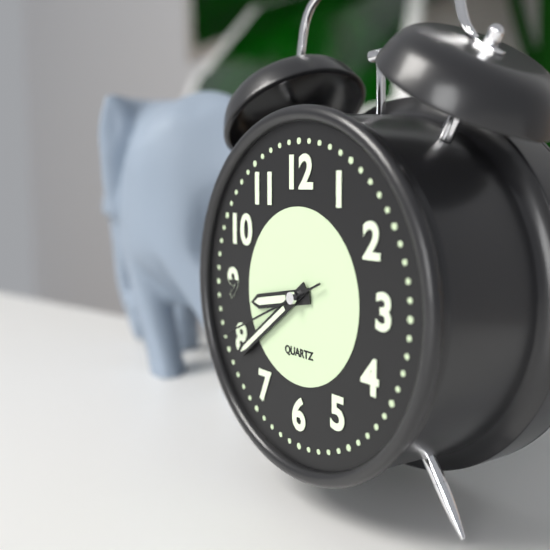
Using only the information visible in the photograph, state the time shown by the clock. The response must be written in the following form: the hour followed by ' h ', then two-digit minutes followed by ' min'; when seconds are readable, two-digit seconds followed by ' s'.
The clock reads 8 h 39 min 41 s
